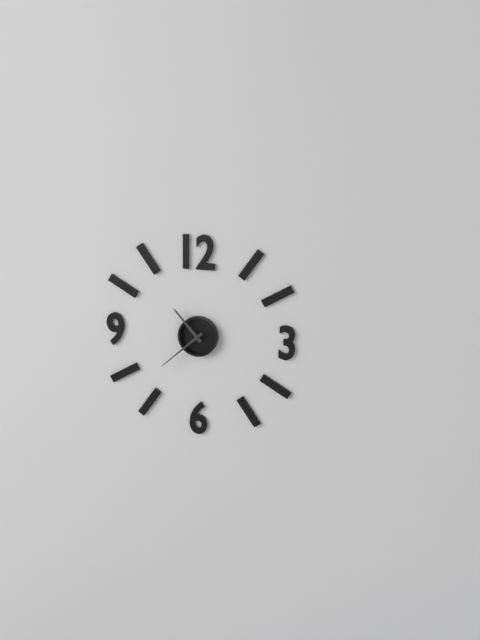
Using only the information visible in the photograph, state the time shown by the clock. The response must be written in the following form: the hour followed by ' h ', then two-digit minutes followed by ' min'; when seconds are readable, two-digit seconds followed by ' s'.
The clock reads 10 h 38 min
